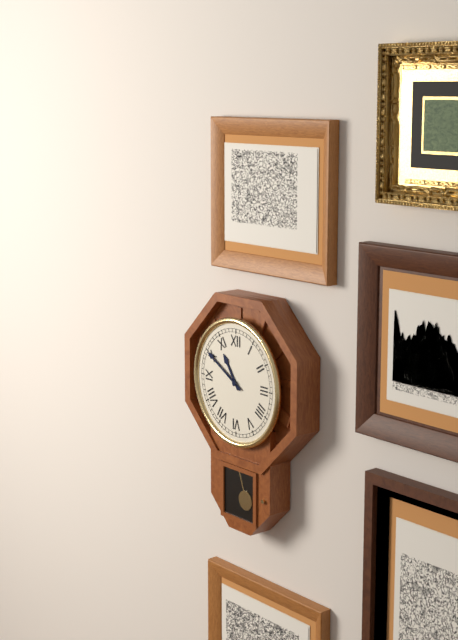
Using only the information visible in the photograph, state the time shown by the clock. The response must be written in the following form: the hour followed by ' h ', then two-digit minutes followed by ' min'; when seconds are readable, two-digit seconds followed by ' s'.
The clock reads 10 h 50 min
